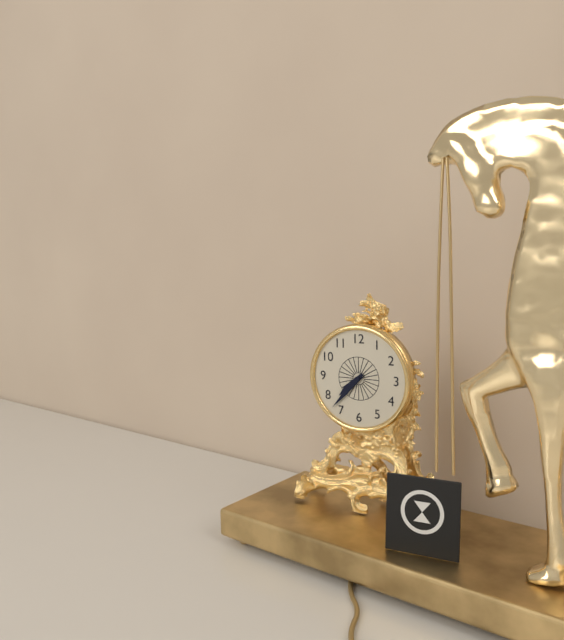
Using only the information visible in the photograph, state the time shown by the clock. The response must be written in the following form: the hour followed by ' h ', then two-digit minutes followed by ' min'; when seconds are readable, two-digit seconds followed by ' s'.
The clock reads 7 h 37 min
